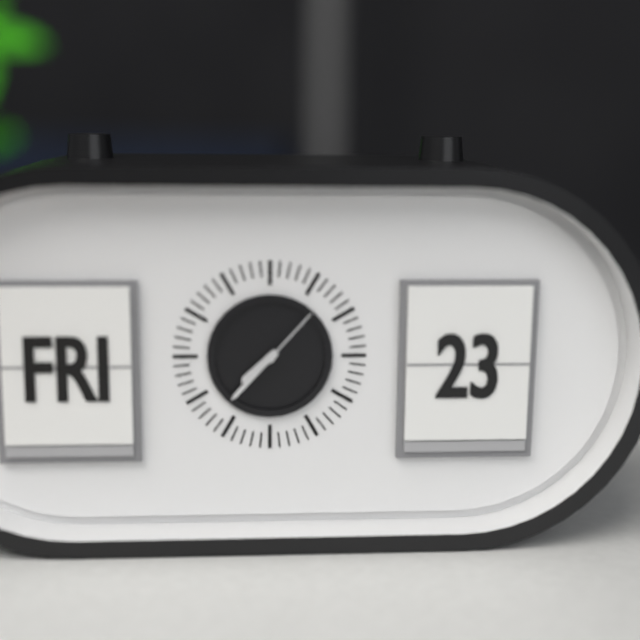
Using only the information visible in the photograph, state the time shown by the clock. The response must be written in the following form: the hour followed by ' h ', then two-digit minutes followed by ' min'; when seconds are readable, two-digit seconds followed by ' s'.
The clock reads 7 h 37 min 07 s
